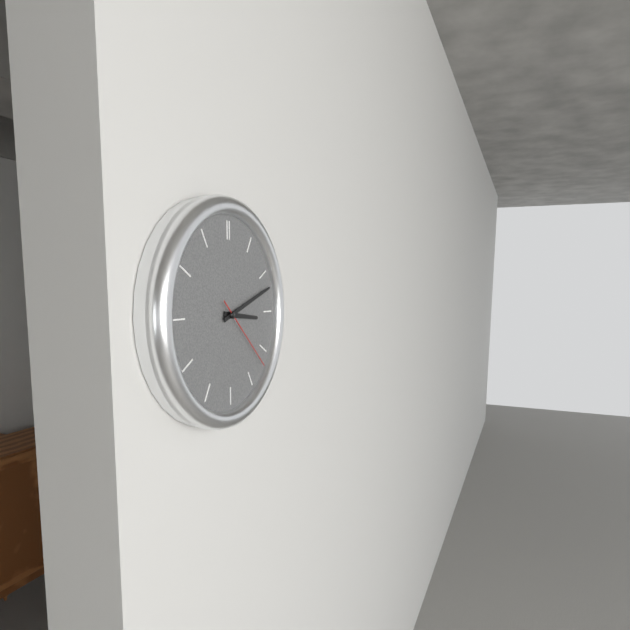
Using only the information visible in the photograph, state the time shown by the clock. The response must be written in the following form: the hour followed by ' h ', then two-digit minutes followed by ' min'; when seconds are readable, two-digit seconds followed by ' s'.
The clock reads 3 h 12 min 22 s
